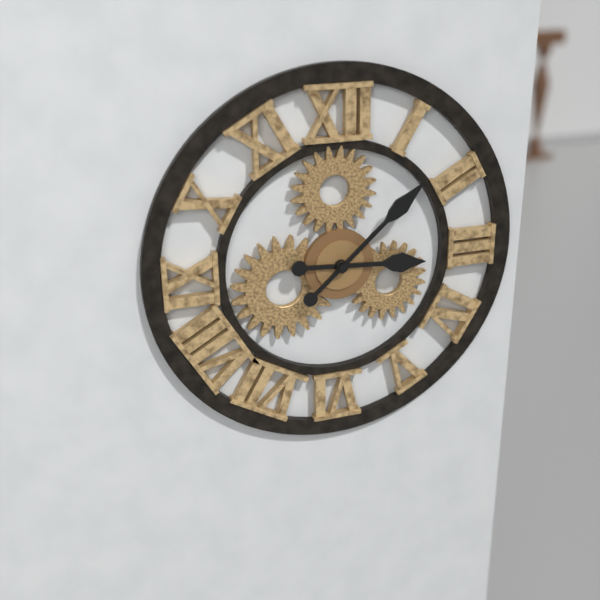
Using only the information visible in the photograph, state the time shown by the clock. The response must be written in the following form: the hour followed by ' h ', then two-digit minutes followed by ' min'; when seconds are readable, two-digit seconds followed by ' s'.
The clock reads 3 h 08 min
